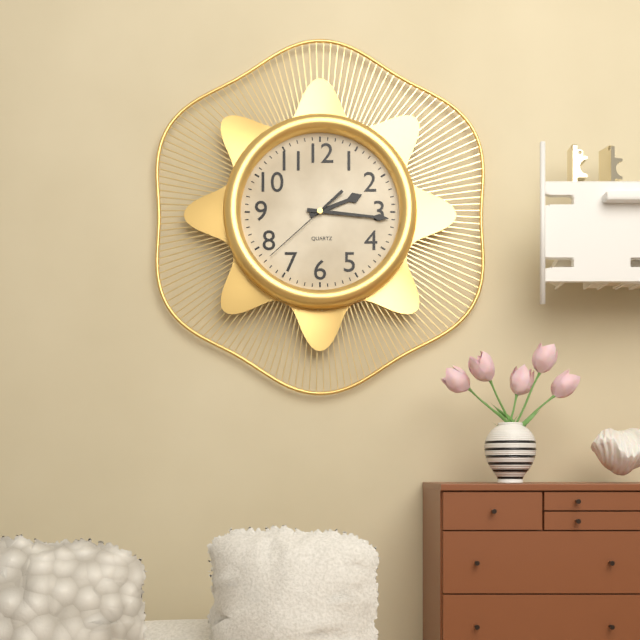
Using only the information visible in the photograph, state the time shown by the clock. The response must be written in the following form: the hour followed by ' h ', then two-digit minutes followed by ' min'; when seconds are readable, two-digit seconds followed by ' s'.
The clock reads 2 h 16 min 38 s
